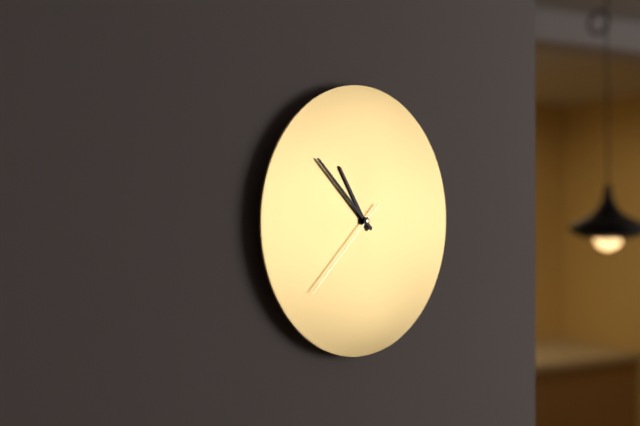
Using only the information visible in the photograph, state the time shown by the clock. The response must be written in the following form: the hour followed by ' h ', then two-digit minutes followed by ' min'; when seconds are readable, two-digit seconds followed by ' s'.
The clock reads 10 h 52 min 38 s
